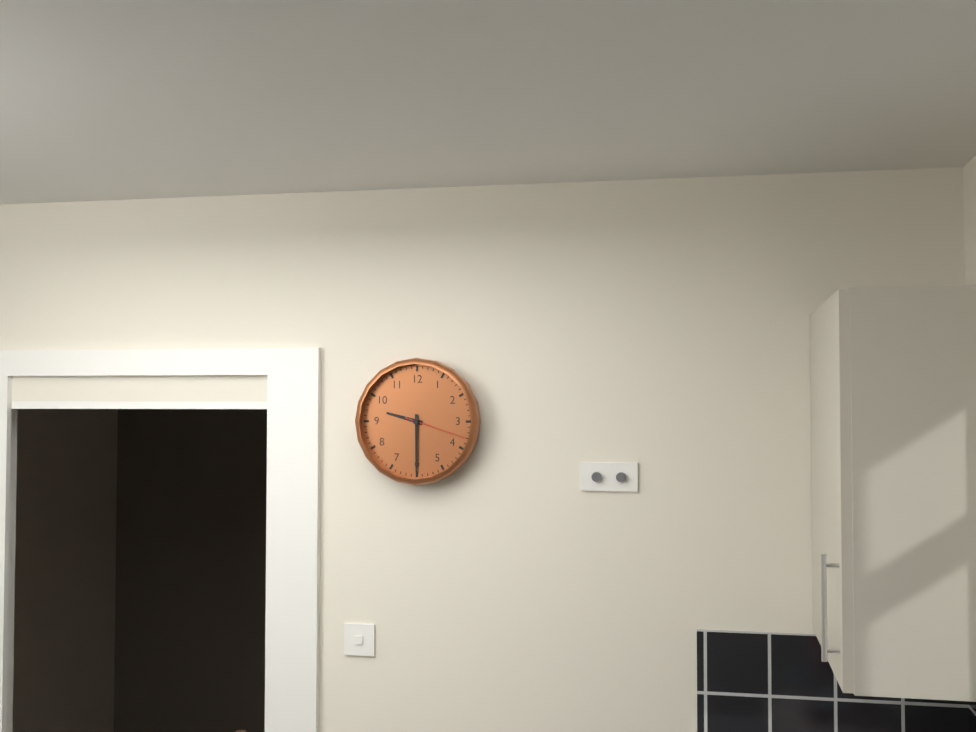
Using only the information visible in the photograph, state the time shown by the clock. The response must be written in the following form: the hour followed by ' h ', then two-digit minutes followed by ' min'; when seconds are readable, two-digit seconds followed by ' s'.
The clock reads 9 h 30 min 18 s
